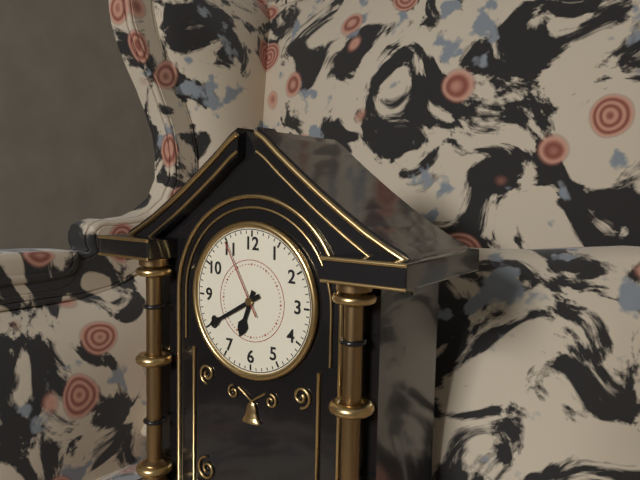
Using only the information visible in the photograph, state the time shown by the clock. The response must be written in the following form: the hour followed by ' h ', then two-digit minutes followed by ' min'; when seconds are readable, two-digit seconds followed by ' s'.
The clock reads 6 h 40 min 55 s
